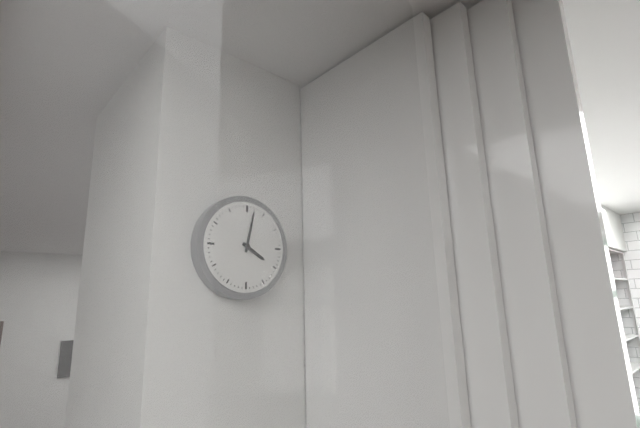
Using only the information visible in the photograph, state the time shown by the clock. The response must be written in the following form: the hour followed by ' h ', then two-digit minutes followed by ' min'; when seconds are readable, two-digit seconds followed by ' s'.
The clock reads 4 h 02 min
